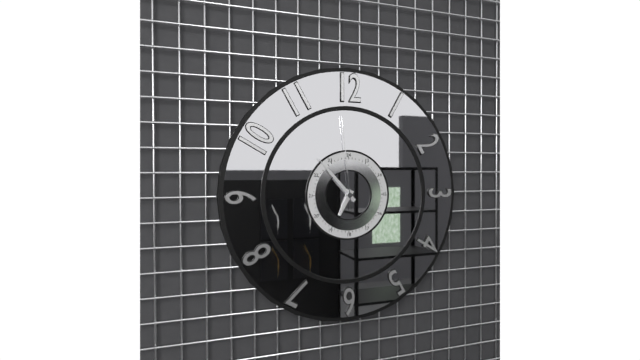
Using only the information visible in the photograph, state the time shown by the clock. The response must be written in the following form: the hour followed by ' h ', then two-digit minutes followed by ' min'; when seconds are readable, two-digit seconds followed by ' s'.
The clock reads 6 h 53 min 59 s
